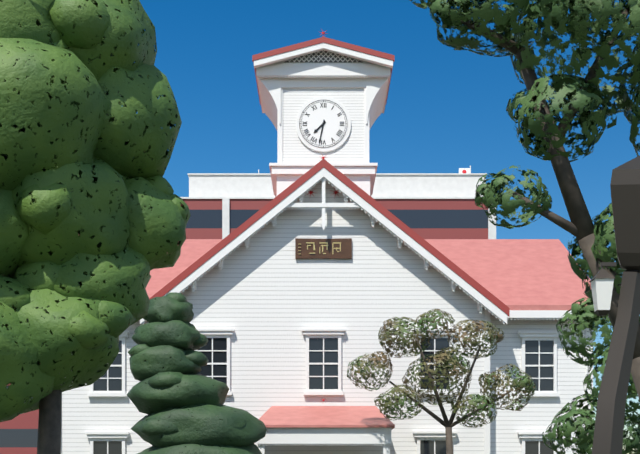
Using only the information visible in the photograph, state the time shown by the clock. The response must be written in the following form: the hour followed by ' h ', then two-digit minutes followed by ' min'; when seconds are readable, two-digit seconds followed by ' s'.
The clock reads 7 h 32 min
